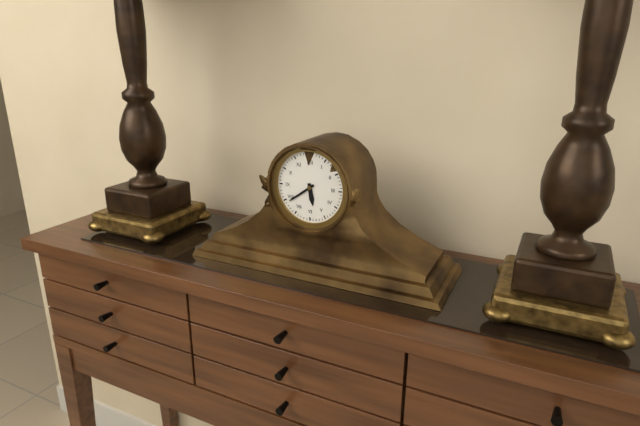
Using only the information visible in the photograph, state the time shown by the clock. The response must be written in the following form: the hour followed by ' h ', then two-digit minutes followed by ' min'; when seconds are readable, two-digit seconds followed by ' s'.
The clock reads 5 h 39 min
